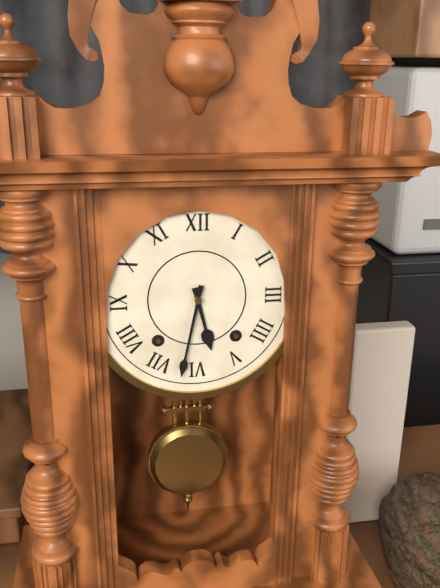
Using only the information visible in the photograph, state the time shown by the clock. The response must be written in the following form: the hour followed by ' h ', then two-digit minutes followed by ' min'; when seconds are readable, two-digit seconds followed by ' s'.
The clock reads 5 h 32 min
